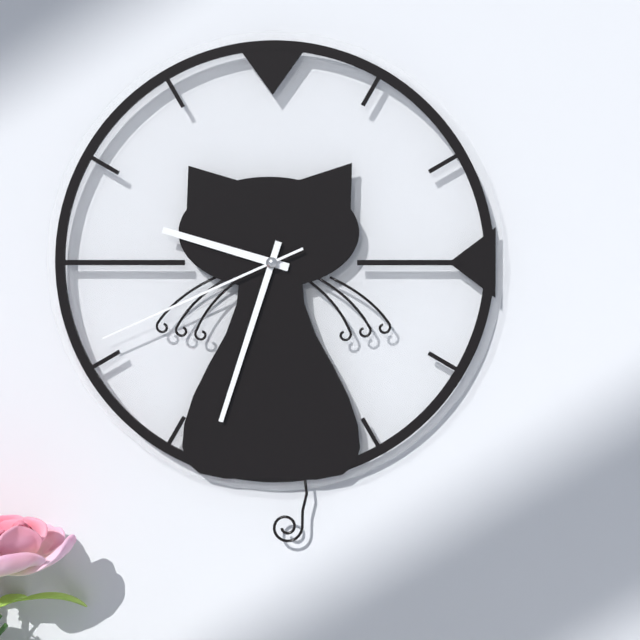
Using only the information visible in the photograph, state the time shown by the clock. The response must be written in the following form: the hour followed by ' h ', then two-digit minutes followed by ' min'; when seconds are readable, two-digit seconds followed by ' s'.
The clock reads 9 h 33 min 41 s
